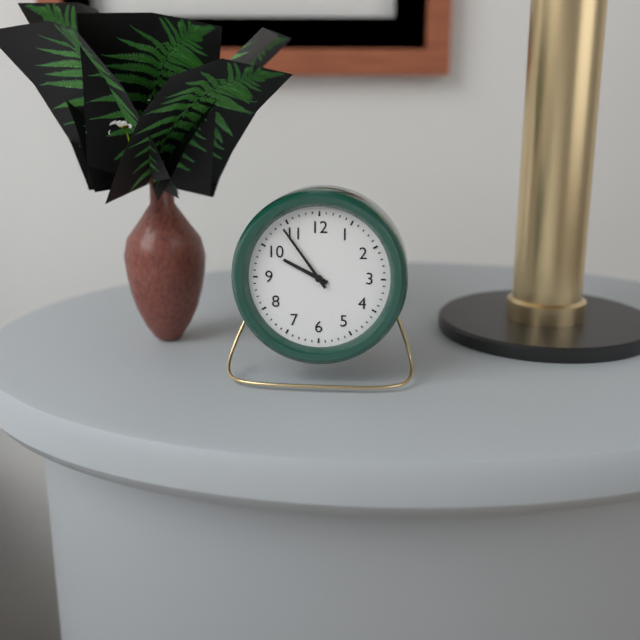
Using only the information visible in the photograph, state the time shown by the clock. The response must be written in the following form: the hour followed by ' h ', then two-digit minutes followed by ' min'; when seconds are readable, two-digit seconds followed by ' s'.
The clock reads 9 h 54 min
